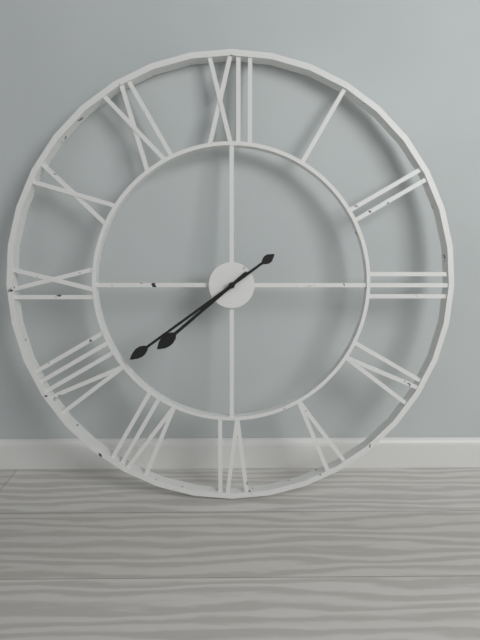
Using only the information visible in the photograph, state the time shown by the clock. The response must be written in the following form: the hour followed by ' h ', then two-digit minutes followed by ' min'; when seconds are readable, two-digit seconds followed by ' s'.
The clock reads 7 h 39 min
